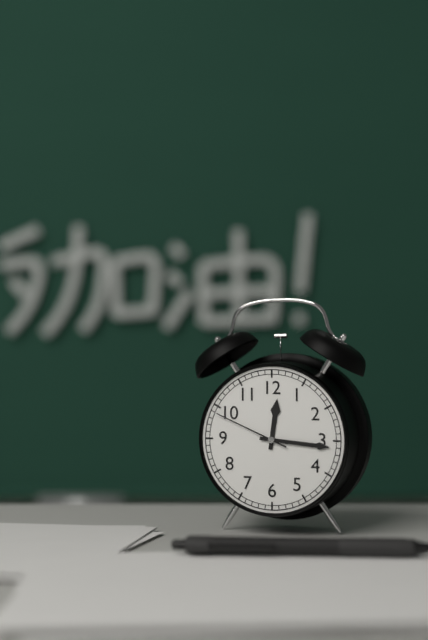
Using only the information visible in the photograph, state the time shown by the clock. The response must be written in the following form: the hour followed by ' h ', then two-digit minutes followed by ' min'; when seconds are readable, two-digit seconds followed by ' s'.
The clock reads 12 h 16 min 49 s
